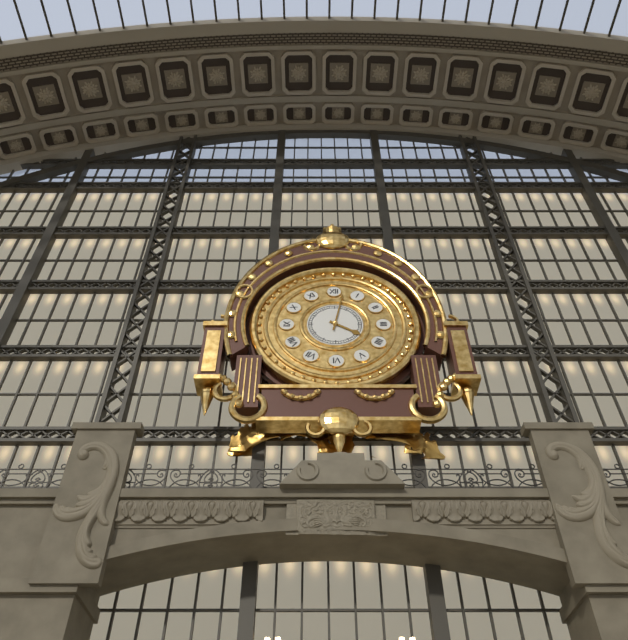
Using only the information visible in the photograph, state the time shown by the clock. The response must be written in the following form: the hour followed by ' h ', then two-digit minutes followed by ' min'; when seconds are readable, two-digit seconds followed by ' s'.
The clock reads 4 h 02 min
